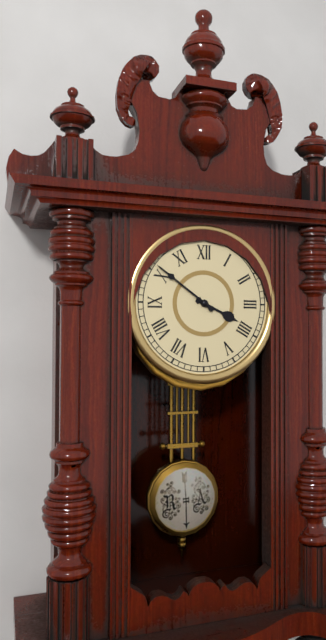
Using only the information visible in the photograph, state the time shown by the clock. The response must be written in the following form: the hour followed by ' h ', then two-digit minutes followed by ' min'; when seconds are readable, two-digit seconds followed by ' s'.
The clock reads 3 h 51 min
